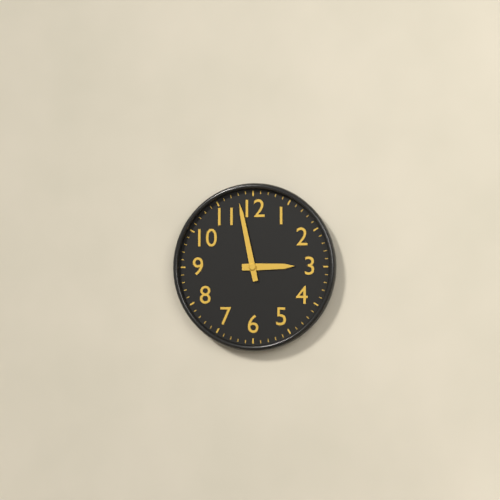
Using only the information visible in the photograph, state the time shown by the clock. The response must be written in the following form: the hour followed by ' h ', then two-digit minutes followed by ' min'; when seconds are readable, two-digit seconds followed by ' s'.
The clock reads 2 h 58 min
